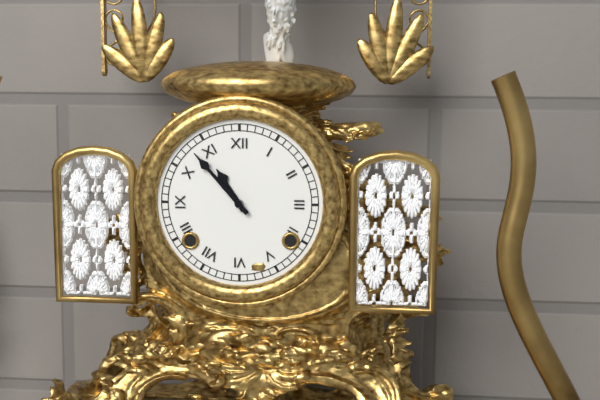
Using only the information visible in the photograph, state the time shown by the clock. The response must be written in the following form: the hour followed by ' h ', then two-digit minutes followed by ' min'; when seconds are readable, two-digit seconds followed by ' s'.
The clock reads 10 h 53 min
